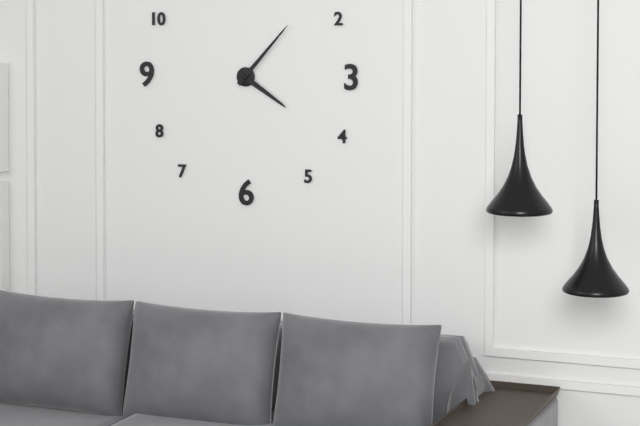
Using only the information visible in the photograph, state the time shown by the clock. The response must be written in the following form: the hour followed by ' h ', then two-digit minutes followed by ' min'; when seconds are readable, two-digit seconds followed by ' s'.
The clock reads 4 h 07 min
